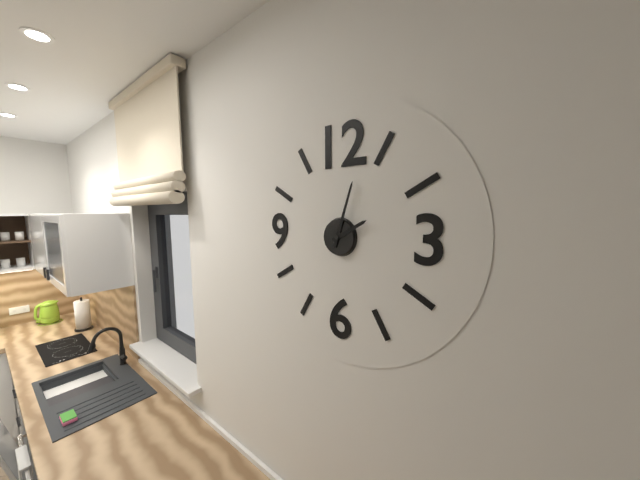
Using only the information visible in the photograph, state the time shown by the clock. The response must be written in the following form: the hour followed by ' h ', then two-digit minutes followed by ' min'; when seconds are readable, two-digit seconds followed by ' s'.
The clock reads 2 h 03 min
